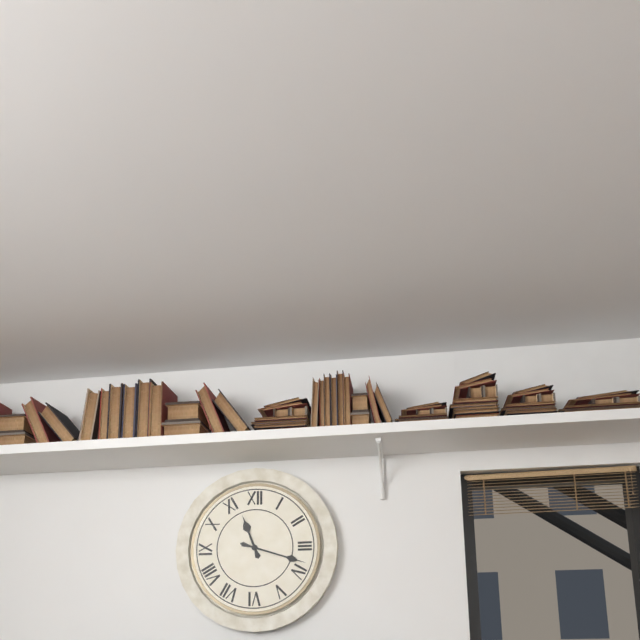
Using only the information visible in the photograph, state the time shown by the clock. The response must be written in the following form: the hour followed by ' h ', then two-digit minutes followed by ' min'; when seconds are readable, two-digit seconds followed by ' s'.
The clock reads 11 h 18 min
